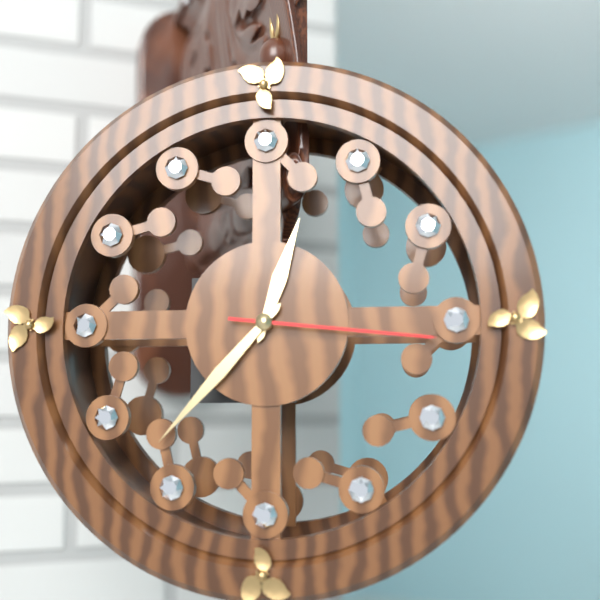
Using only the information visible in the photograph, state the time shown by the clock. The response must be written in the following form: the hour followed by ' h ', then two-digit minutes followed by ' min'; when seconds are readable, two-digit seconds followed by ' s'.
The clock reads 12 h 37 min 16 s
